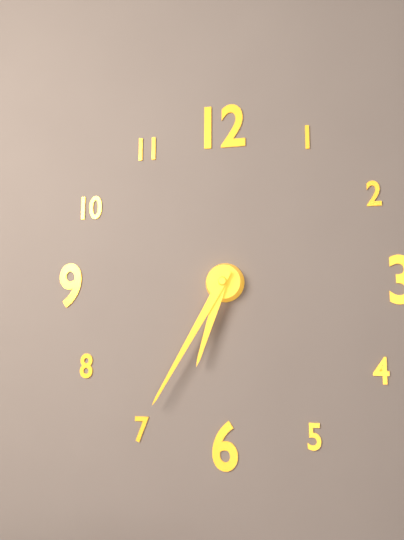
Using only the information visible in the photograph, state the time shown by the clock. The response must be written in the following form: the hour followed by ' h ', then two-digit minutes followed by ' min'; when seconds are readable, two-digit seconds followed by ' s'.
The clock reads 6 h 35 min
